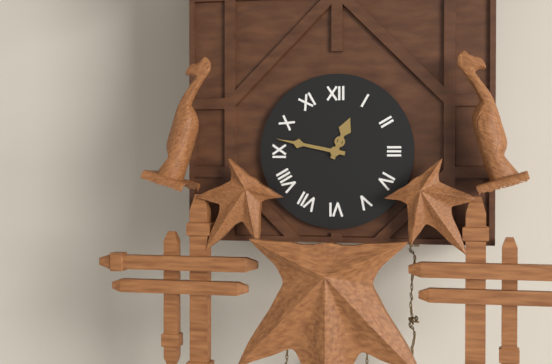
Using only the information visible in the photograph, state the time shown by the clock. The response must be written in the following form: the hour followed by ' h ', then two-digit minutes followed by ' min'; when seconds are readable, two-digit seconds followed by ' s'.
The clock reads 12 h 47 min
